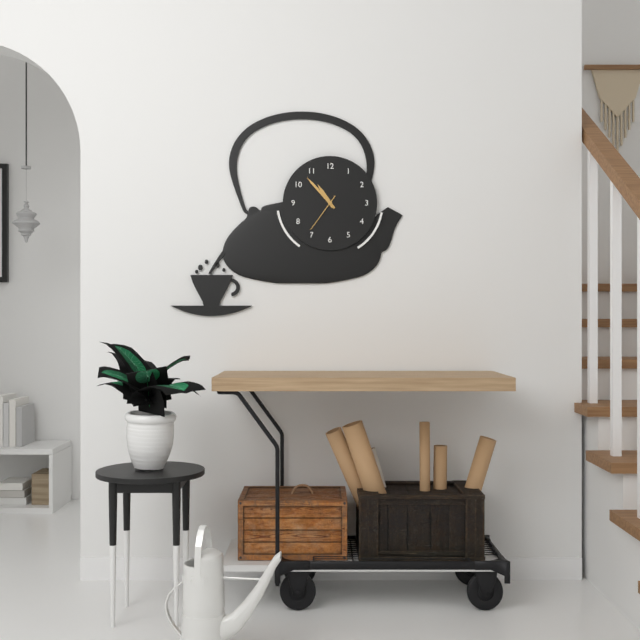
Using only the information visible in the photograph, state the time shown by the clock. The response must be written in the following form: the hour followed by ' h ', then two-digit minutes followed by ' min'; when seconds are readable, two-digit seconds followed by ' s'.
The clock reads 10 h 53 min
